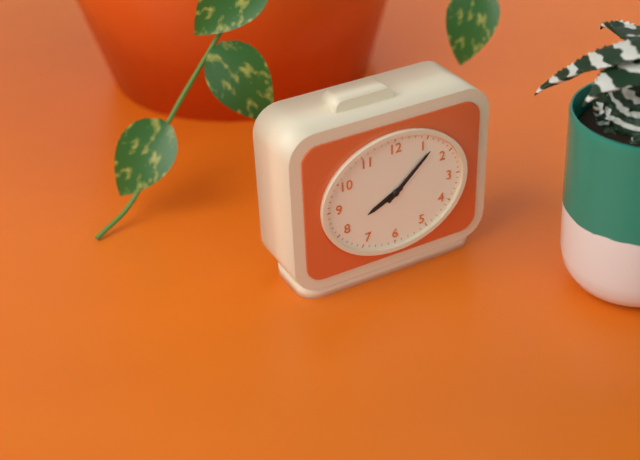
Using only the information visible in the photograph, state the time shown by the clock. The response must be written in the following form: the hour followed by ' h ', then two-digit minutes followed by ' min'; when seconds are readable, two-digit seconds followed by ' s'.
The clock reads 8 h 08 min
